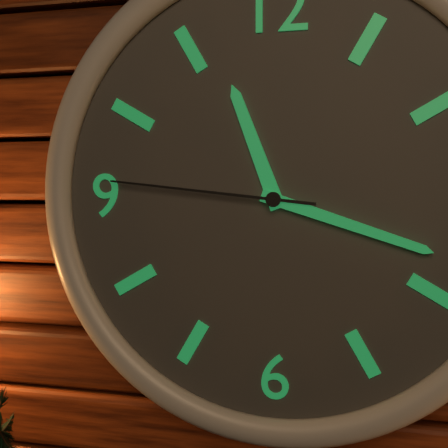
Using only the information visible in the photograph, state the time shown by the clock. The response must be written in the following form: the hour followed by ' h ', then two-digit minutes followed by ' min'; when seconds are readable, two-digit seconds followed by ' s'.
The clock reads 11 h 18 min 46 s
